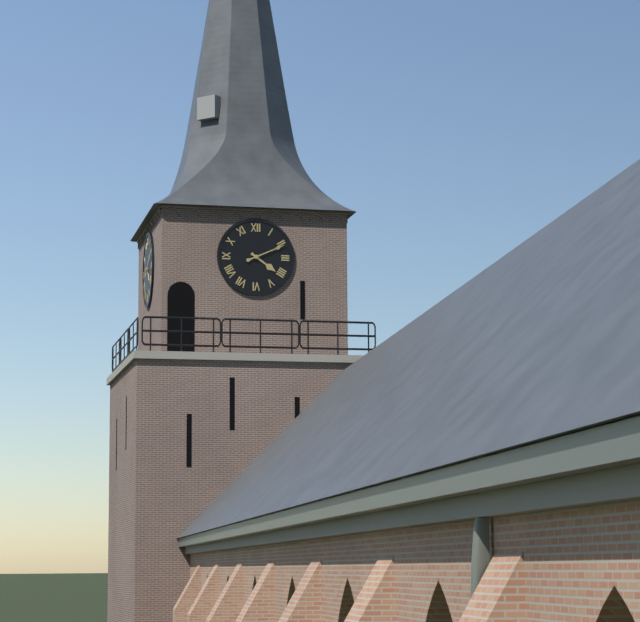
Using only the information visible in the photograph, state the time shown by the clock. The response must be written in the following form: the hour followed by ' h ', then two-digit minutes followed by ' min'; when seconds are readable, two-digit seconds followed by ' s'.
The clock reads 4 h 11 min
